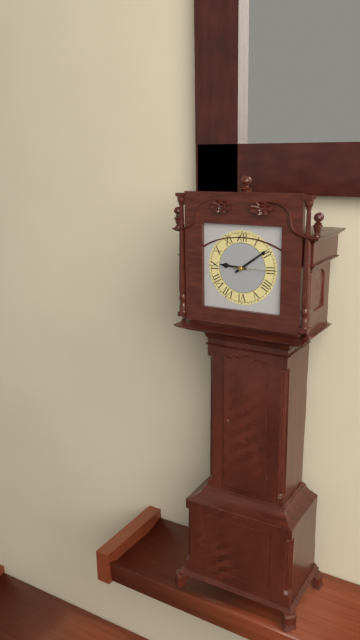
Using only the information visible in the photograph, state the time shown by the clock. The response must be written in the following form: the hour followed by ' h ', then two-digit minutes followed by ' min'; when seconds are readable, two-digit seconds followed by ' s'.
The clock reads 9 h 09 min
